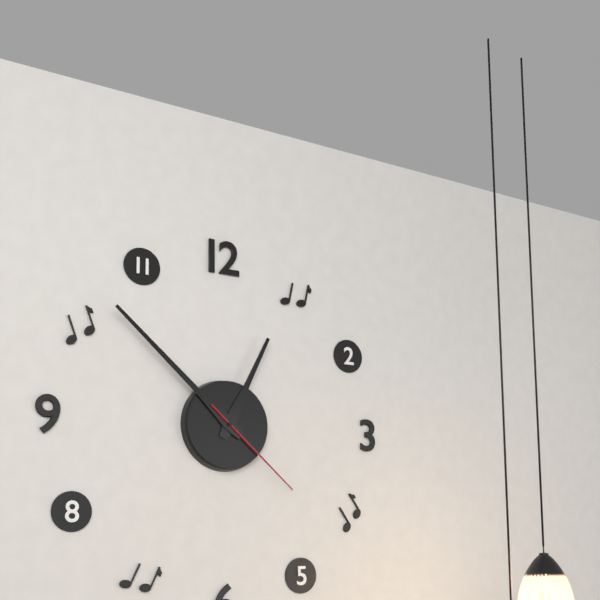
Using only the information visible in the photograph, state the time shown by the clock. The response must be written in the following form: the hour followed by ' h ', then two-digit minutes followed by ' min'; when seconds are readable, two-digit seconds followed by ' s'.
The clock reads 12 h 52 min 22 s
